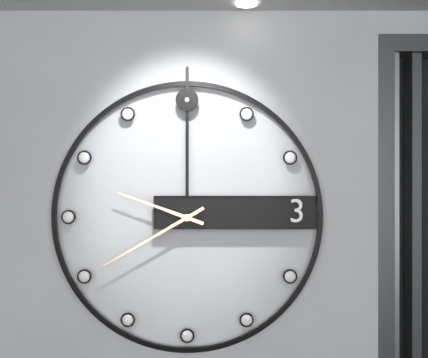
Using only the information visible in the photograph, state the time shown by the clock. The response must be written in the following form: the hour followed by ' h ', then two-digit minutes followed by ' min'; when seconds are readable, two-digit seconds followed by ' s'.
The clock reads 9 h 40 min
